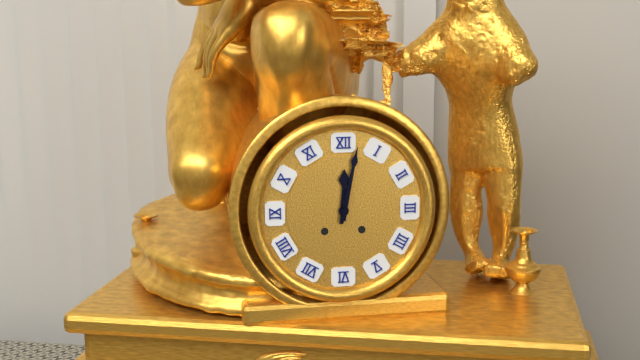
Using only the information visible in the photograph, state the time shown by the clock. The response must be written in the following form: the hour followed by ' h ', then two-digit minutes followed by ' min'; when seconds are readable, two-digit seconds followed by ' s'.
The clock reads 12 h 02 min
